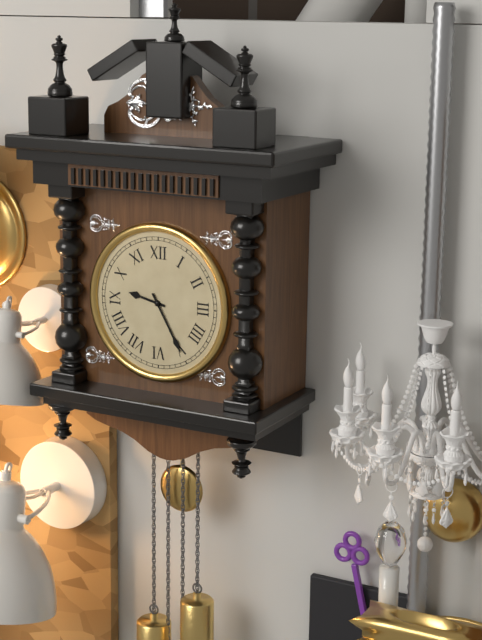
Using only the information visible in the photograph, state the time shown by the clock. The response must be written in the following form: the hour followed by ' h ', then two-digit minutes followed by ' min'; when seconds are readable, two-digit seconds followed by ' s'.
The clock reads 9 h 25 min
